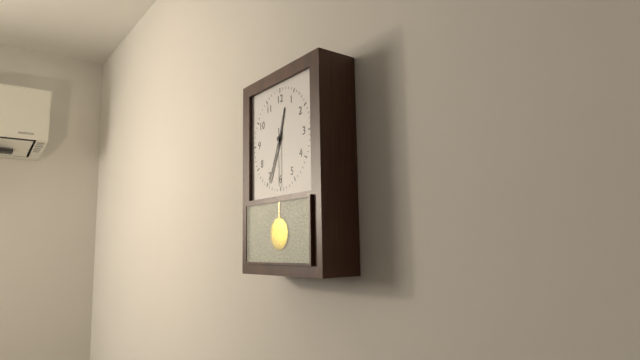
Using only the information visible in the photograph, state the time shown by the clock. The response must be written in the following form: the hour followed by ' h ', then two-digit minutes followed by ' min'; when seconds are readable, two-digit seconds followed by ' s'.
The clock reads 12 h 34 min 30 s
